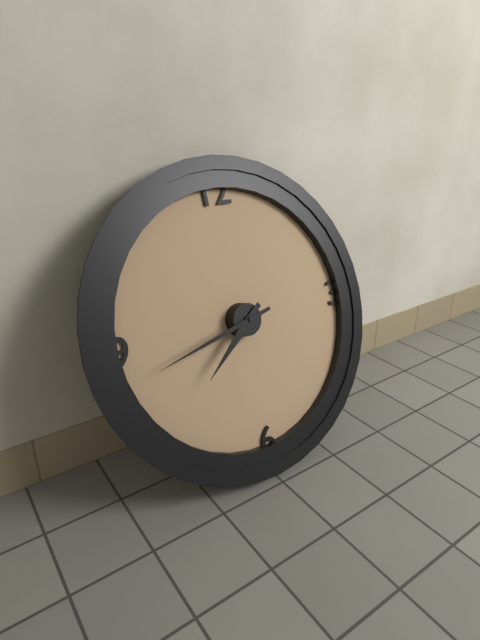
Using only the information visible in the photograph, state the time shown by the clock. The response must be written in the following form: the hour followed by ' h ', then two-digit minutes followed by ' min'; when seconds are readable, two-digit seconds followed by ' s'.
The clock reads 7 h 43 min
